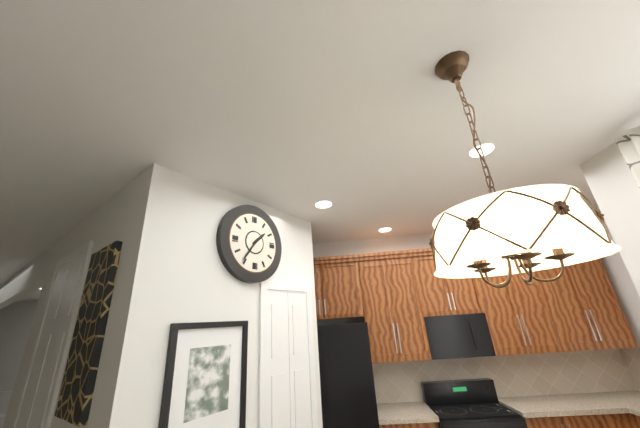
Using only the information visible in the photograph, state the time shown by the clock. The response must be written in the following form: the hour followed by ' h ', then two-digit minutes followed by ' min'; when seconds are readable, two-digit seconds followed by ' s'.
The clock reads 1 h 36 min
